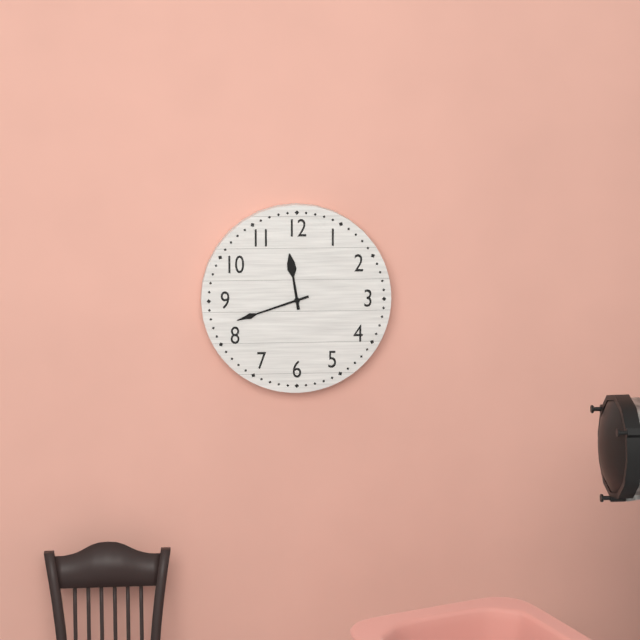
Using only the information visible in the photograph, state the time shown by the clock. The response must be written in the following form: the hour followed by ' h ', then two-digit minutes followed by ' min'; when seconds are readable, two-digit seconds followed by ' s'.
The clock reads 11 h 42 min
